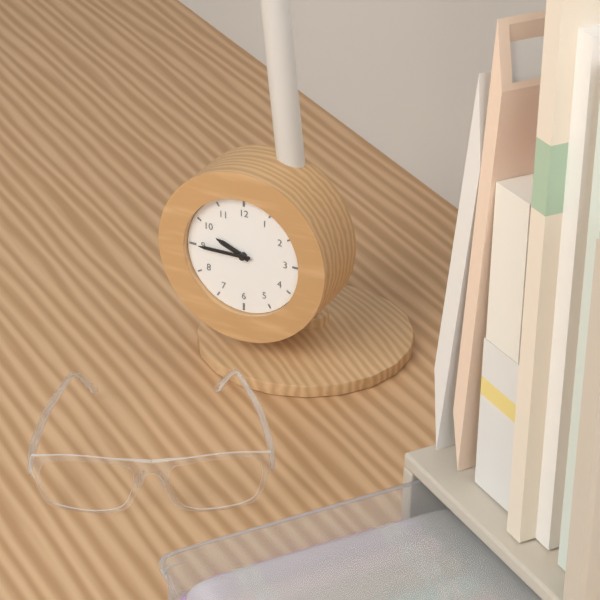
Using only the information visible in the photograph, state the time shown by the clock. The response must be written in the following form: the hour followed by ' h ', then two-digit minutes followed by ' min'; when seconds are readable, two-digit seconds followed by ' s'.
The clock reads 9 h 45 min
